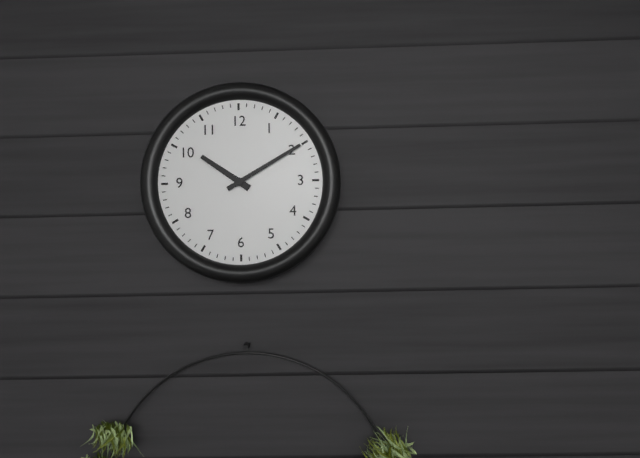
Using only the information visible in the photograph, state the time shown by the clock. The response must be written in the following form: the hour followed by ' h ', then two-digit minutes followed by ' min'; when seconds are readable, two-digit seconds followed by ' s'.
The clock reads 10 h 10 min
